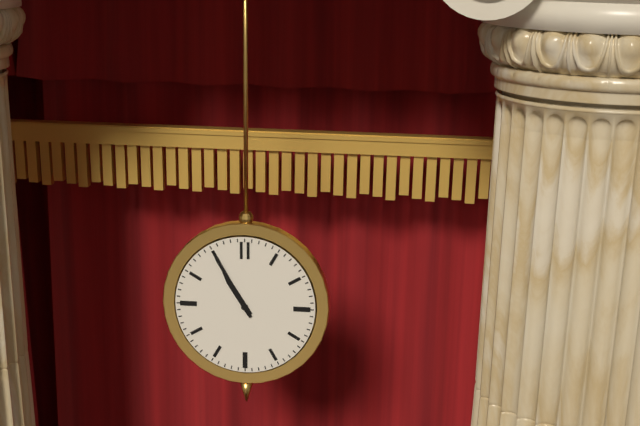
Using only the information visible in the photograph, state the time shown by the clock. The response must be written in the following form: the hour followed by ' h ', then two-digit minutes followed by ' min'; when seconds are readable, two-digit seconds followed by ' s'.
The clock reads 10 h 55 min
